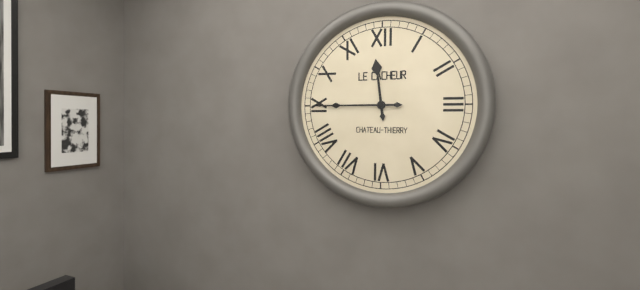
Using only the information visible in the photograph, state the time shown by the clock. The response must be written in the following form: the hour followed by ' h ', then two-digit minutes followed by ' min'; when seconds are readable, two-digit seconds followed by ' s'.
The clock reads 11 h 45 min
